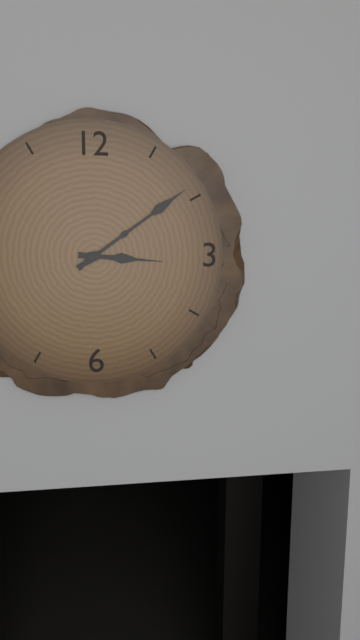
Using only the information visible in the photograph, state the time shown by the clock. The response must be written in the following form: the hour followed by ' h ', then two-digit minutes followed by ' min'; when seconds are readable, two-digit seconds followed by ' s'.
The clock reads 3 h 09 min
